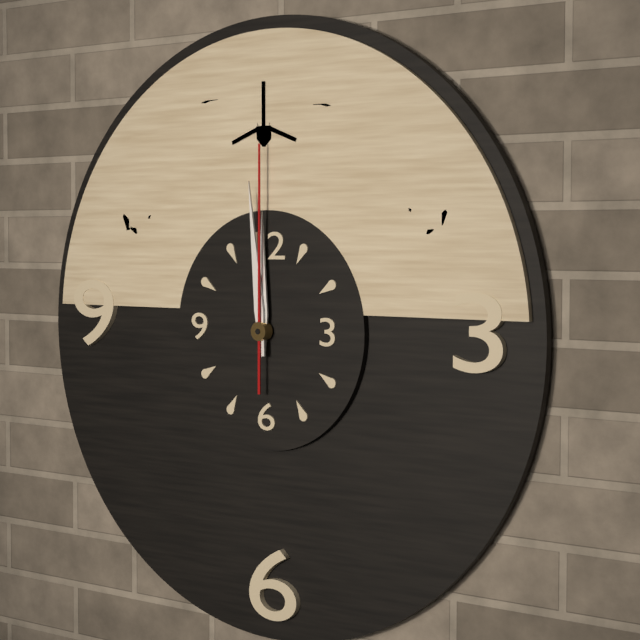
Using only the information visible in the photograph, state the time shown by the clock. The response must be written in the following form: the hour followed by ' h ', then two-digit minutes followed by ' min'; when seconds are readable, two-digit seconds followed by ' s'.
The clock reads 11 h 59 min 00 s
